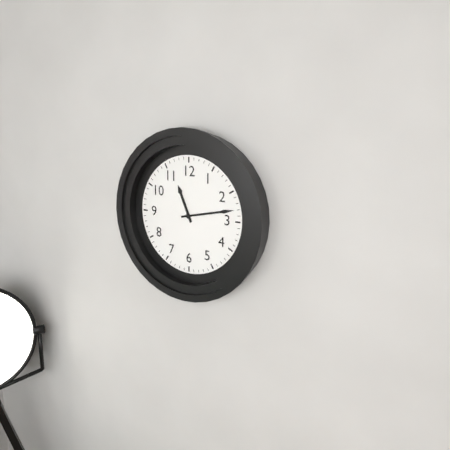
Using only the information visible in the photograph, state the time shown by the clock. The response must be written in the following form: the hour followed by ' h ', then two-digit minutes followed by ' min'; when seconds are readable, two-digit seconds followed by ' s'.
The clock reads 11 h 13 min
